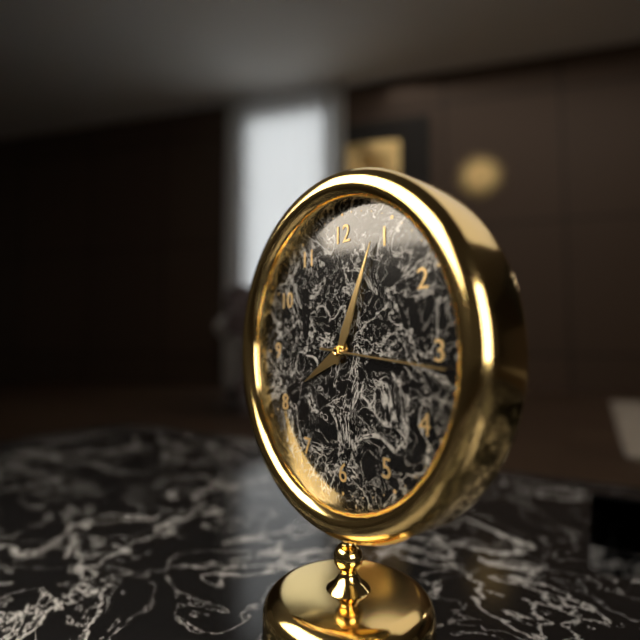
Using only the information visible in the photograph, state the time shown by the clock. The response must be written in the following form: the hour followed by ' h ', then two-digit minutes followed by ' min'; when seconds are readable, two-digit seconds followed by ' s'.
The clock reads 8 h 04 min 16 s
